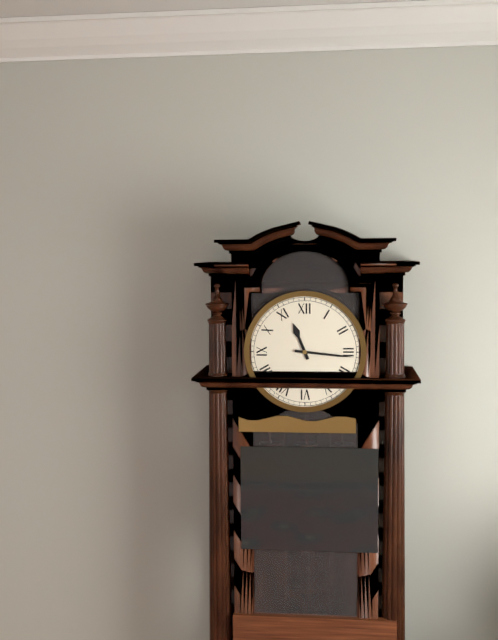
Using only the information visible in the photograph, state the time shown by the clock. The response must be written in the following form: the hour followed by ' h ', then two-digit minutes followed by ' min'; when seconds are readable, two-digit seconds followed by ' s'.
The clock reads 11 h 16 min
